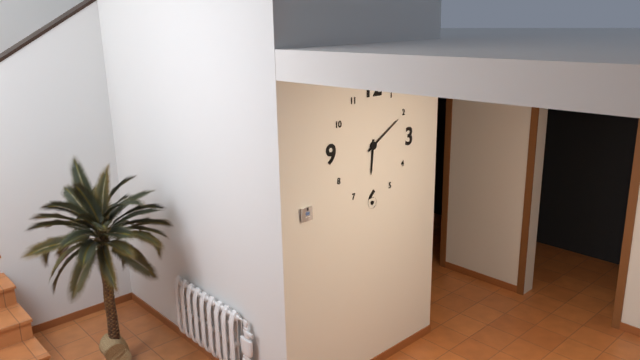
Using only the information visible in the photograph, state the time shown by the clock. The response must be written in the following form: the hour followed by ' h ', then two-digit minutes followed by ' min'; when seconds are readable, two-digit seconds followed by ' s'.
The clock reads 6 h 10 min
